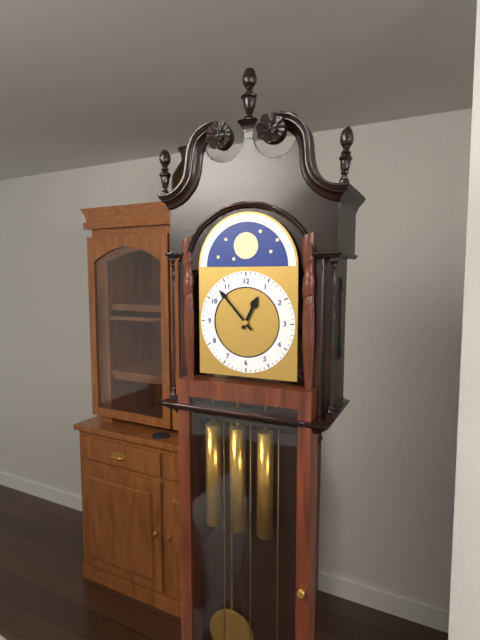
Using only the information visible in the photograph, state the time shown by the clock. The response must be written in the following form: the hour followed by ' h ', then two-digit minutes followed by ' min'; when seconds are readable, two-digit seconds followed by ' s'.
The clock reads 12 h 53 min
